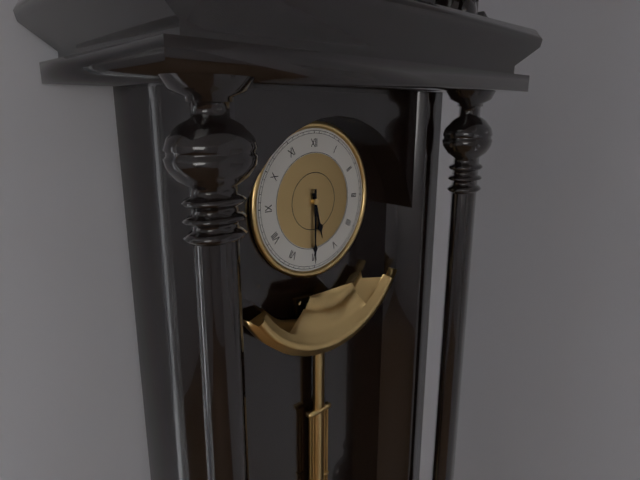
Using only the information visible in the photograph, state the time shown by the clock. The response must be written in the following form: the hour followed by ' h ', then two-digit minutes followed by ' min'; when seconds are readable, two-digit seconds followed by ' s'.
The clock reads 5 h 30 min
